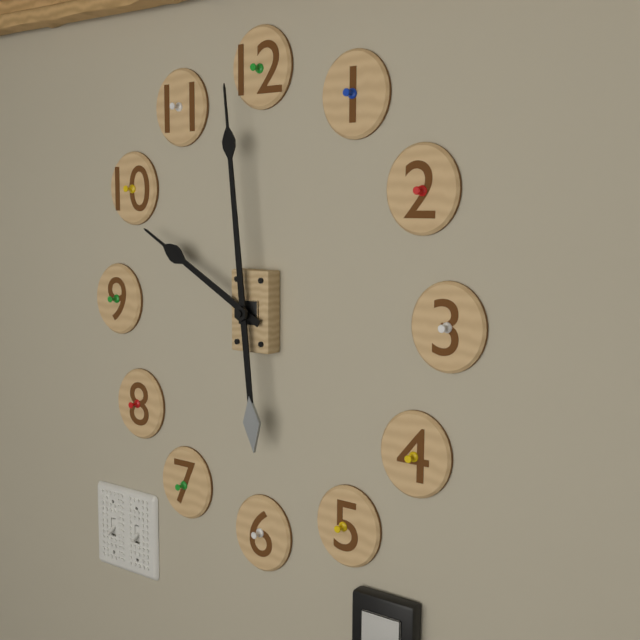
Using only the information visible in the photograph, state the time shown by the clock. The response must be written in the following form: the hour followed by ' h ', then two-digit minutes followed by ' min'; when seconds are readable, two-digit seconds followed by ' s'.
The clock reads 9 h 59 min
